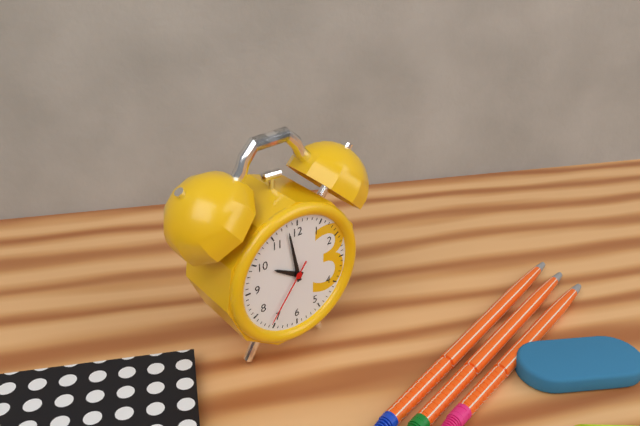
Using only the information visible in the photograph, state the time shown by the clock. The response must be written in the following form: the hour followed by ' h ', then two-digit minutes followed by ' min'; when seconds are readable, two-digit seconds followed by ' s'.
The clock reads 9 h 58 min 36 s
